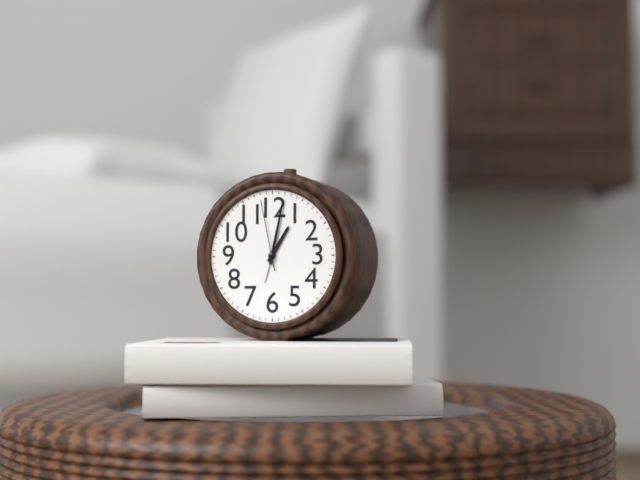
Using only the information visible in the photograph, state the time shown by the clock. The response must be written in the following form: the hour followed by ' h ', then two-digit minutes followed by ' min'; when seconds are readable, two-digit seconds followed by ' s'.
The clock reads 1 h 02 min 58 s
